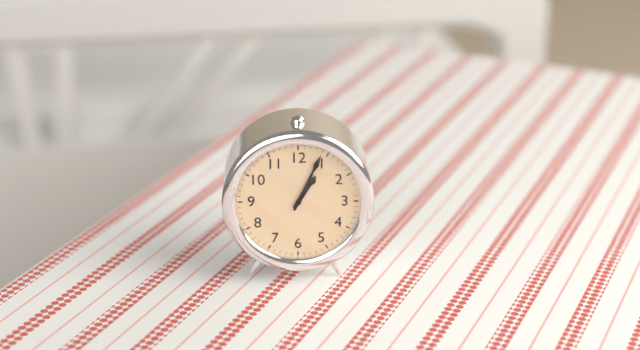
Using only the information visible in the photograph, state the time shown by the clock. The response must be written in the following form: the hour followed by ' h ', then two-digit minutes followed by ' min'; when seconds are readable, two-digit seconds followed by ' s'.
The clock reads 1 h 04 min
